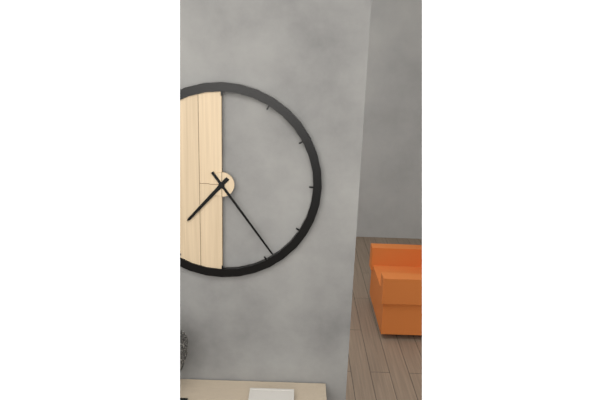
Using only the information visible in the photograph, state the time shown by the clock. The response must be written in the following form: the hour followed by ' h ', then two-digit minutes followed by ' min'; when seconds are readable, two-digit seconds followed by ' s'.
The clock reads 7 h 24 min
